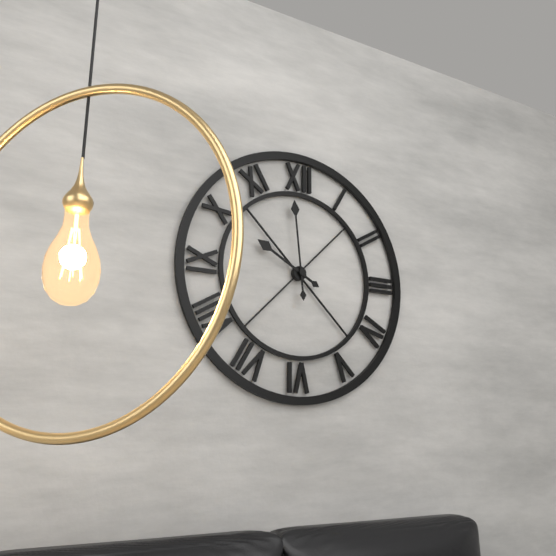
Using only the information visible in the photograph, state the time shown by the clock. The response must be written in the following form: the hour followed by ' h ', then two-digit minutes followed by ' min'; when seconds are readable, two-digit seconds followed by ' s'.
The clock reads 9 h 59 min
